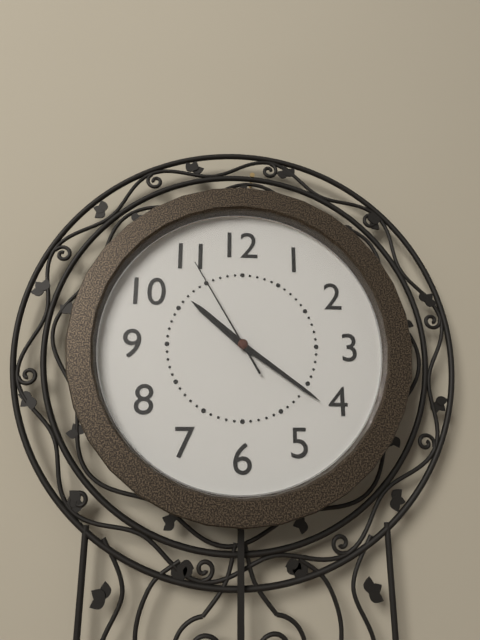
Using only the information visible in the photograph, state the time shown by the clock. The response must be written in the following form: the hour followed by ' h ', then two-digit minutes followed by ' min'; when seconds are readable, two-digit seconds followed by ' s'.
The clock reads 10 h 21 min 55 s
